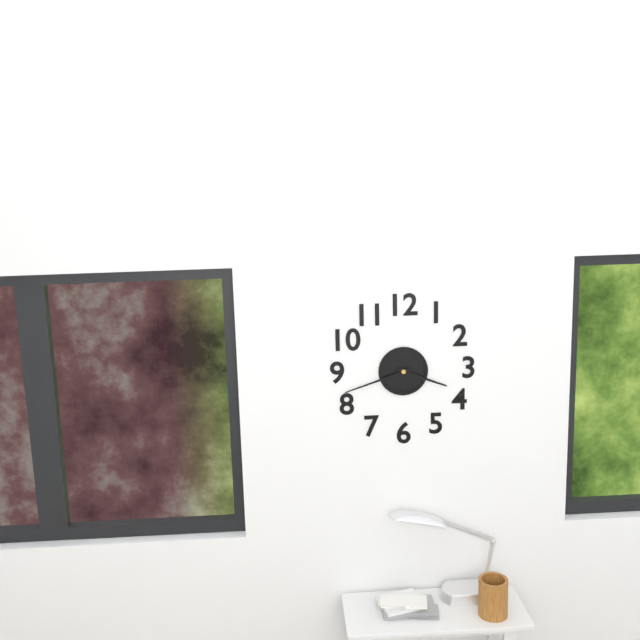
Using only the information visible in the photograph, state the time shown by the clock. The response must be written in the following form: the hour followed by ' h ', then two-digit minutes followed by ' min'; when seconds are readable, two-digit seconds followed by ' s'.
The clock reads 3 h 42 min
